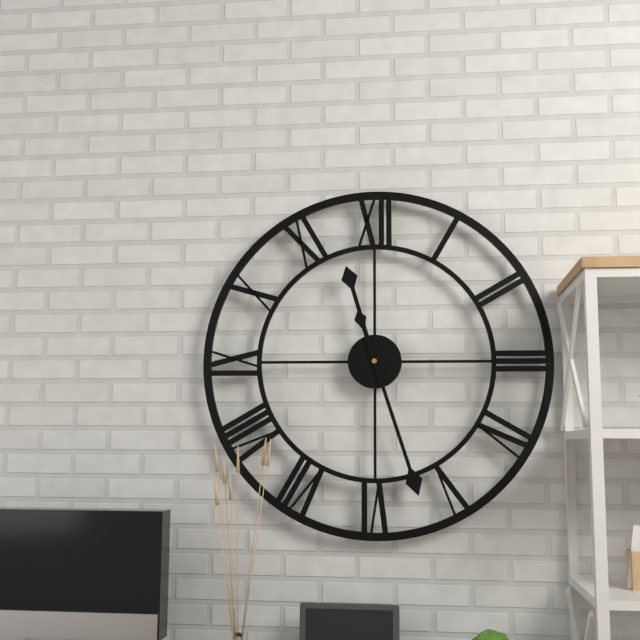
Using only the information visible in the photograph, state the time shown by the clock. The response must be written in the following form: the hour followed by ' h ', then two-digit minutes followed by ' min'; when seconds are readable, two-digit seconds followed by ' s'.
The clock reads 11 h 27 min
